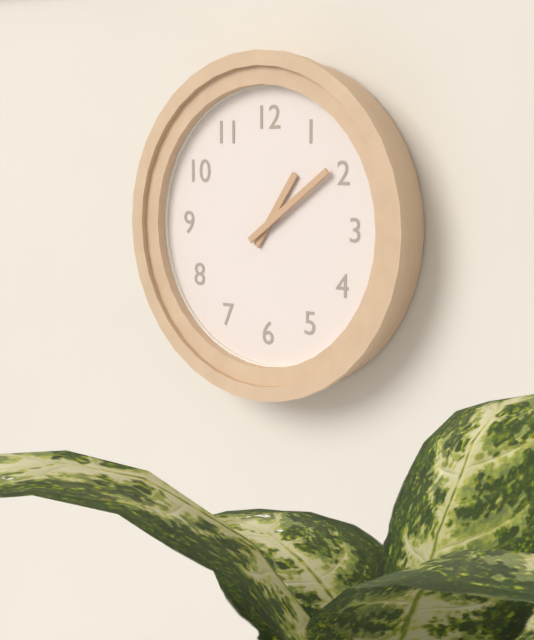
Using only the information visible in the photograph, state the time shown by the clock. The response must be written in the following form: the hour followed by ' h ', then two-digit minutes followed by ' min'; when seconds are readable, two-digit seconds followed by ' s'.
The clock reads 1 h 09 min
